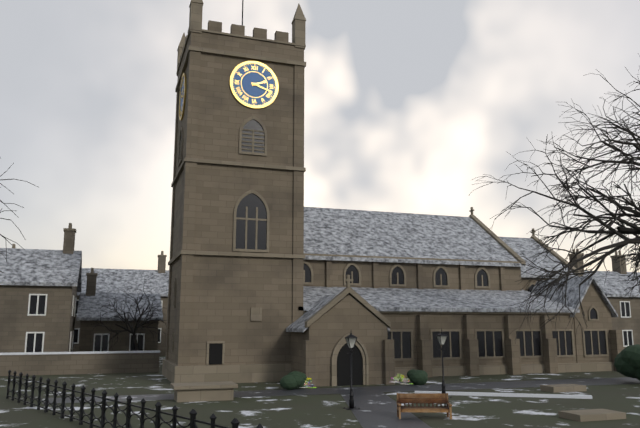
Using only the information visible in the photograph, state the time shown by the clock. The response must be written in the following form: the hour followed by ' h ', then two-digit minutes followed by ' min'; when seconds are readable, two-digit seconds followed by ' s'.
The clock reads 2 h 18 min
